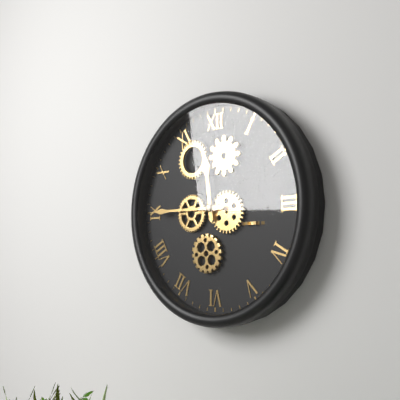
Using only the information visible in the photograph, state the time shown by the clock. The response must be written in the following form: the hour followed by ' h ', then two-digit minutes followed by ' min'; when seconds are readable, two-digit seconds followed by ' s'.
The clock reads 11 h 45 min
